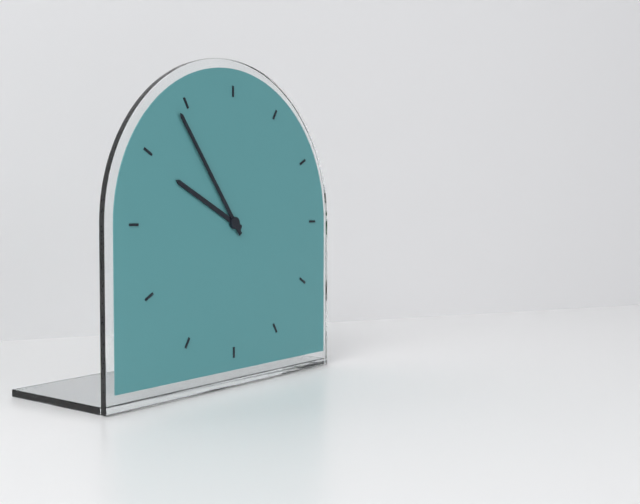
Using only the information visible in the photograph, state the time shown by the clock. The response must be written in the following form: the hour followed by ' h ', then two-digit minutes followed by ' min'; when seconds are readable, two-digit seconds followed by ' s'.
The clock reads 9 h 54 min
